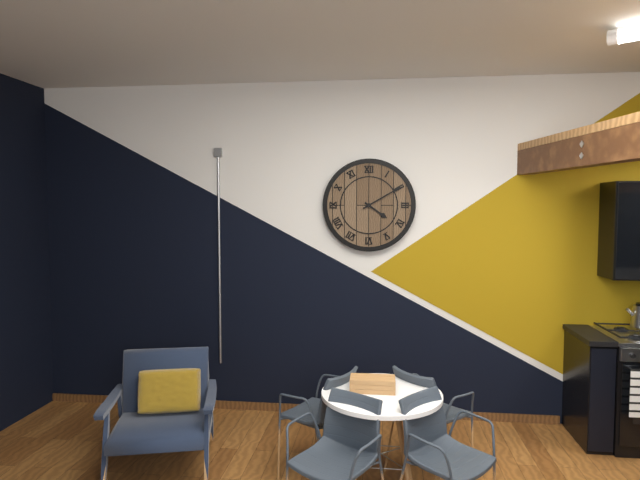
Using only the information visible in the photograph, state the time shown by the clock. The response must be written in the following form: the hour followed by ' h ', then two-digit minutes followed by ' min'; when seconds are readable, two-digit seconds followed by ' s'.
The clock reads 4 h 10 min
